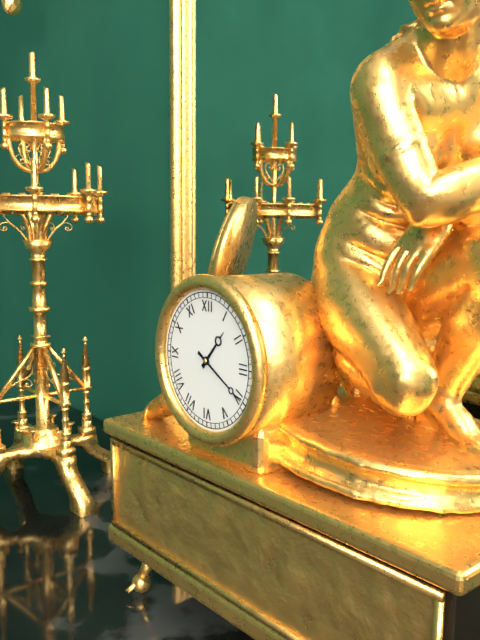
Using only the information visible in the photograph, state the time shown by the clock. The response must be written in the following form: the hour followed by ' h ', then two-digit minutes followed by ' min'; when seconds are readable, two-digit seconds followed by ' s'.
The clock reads 1 h 20 min
